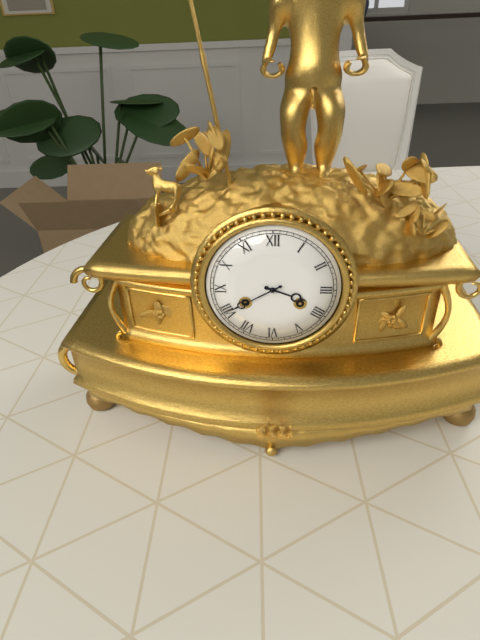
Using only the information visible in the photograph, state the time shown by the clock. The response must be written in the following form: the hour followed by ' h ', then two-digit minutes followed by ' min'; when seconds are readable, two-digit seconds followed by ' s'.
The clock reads 3 h 40 min
